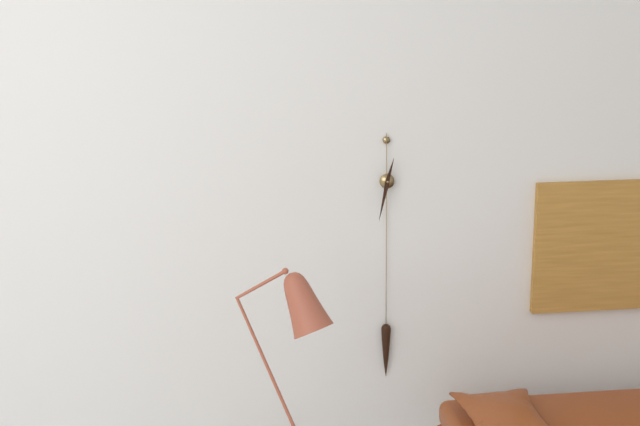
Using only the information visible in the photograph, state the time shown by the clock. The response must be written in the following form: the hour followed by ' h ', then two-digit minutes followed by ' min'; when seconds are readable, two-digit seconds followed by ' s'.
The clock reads 12 h 32 min
